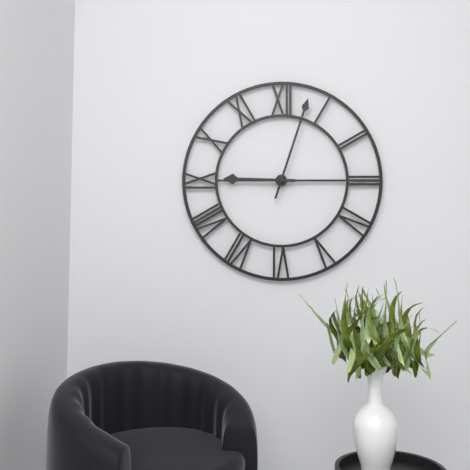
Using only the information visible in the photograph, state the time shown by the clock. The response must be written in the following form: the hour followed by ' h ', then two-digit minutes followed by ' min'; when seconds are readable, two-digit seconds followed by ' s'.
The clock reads 9 h 03 min
